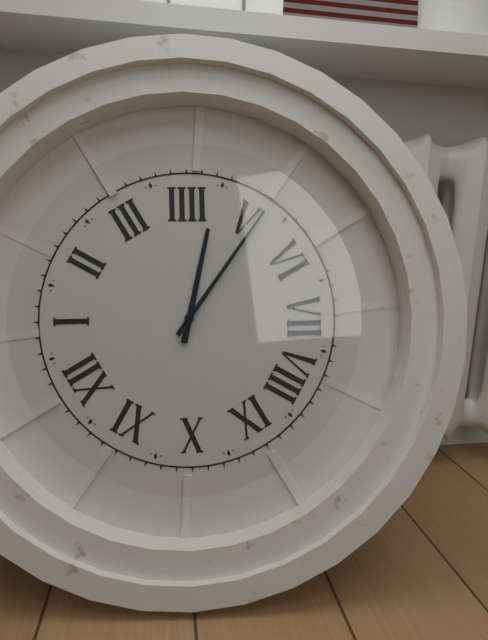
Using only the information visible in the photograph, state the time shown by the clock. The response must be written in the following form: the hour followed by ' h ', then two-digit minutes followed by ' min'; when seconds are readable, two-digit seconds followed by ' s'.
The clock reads 4 h 26 min
